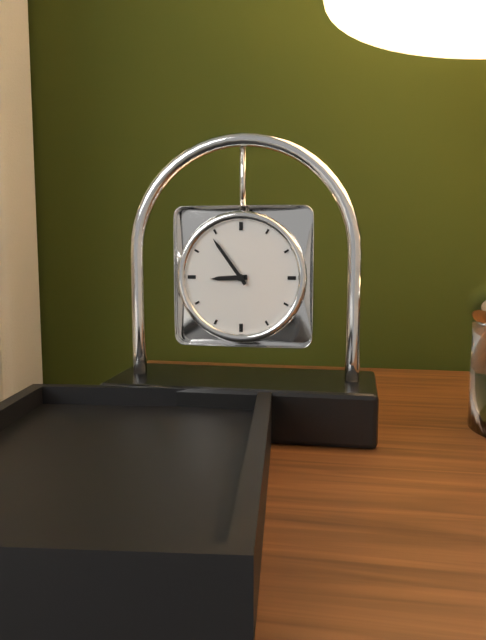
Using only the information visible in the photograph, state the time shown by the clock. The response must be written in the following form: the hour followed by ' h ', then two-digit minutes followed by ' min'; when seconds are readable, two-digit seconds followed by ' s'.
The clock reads 8 h 54 min
